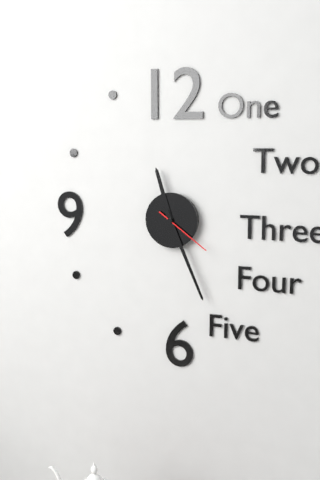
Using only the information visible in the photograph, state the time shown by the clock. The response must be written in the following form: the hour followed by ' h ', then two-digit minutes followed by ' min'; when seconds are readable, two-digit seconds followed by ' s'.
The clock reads 11 h 26 min 21 s
